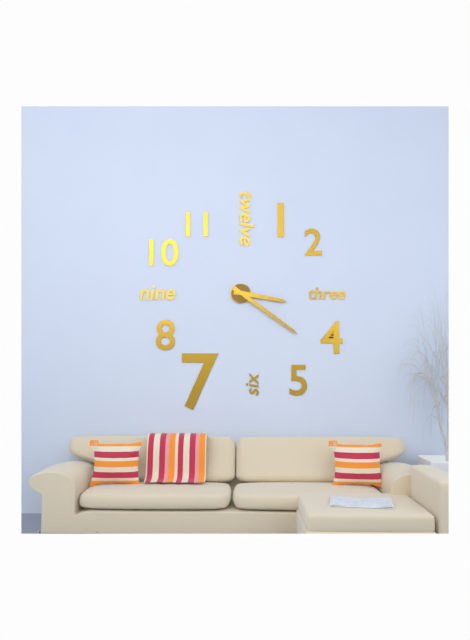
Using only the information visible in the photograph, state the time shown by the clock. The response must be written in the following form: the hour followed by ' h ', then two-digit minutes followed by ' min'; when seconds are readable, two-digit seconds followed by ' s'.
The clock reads 3 h 21 min
